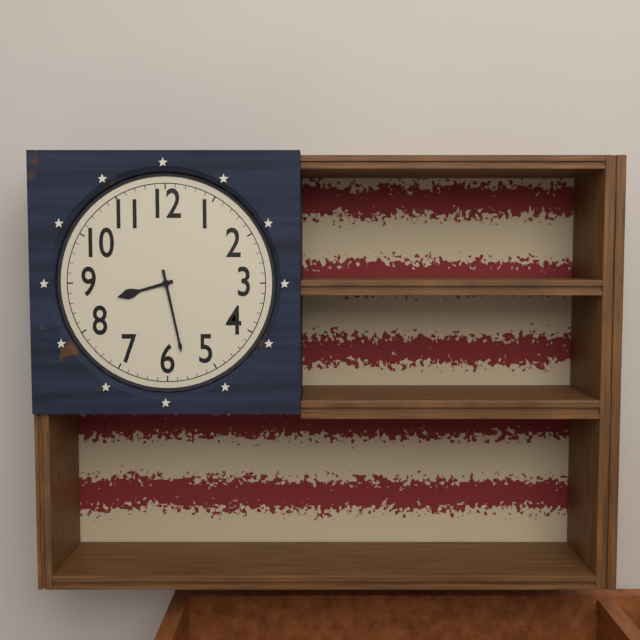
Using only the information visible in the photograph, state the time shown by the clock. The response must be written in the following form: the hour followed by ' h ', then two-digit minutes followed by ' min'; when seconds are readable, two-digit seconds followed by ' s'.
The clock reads 8 h 28 min
